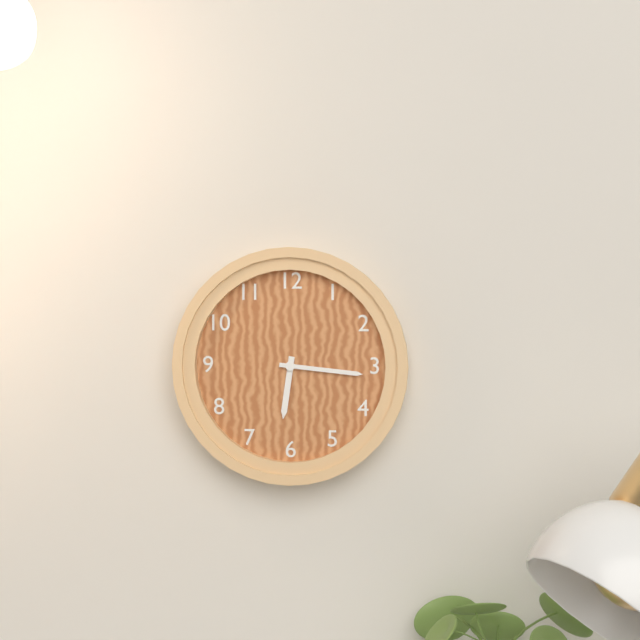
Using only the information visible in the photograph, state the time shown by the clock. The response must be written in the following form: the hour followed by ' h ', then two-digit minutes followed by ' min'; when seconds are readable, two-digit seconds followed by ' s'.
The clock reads 6 h 16 min
